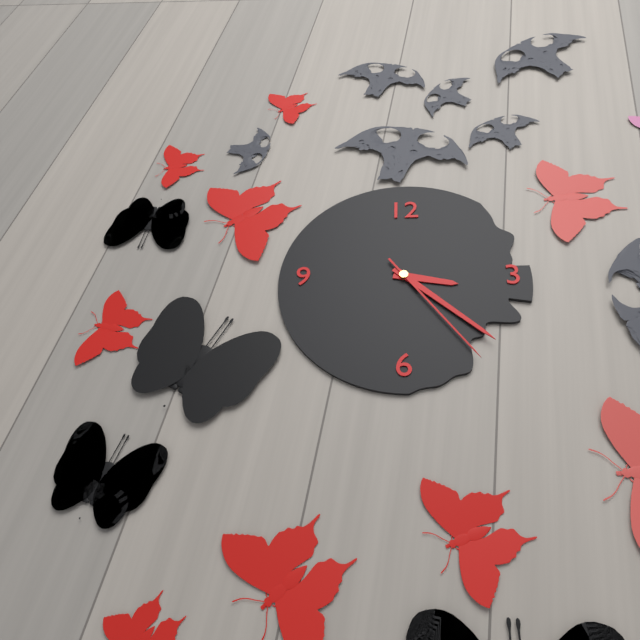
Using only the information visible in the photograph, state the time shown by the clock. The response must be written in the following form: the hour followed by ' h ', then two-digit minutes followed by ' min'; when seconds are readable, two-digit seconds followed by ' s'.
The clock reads 3 h 22 min 24 s
